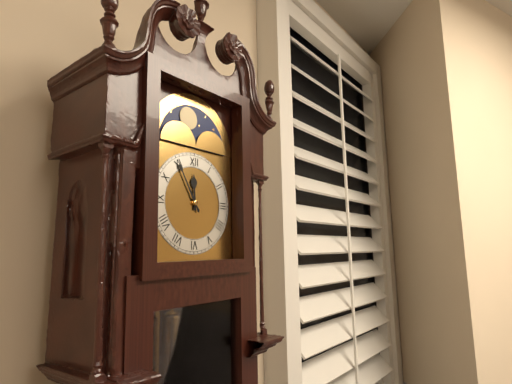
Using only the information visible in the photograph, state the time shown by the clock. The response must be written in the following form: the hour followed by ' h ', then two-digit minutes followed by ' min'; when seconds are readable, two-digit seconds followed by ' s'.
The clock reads 11 h 55 min
